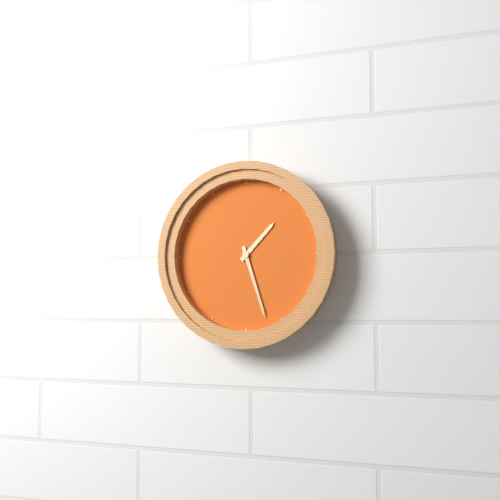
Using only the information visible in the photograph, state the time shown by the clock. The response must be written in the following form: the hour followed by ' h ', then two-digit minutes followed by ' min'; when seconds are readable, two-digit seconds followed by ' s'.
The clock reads 1 h 27 min
